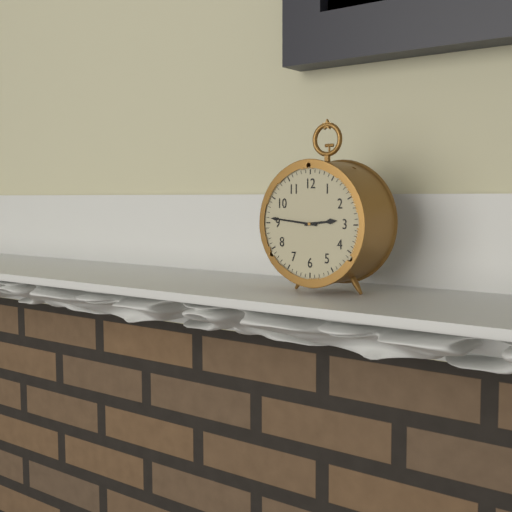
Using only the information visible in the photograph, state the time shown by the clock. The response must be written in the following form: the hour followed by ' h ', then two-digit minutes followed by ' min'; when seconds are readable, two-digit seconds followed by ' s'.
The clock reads 2 h 46 min
